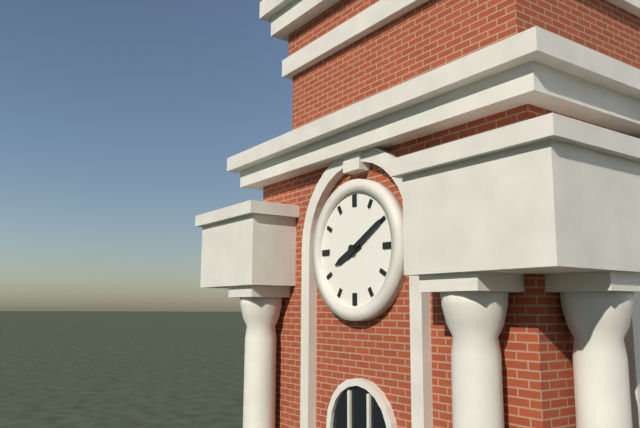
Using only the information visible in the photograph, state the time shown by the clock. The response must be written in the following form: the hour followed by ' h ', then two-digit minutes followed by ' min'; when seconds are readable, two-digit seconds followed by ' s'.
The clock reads 8 h 10 min
